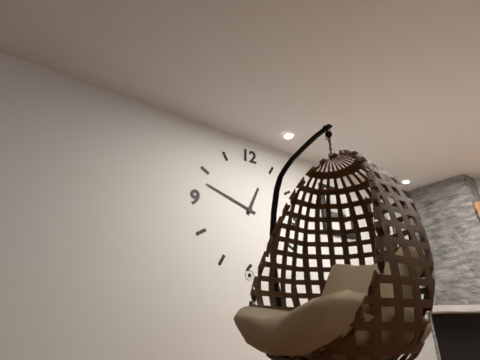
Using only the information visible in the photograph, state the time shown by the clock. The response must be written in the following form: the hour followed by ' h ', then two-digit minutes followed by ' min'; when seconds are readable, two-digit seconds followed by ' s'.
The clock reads 12 h 48 min
